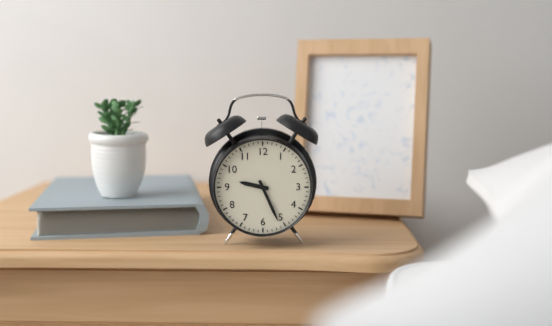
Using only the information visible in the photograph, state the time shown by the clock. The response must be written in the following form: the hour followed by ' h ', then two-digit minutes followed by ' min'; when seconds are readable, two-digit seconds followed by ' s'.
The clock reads 9 h 26 min
